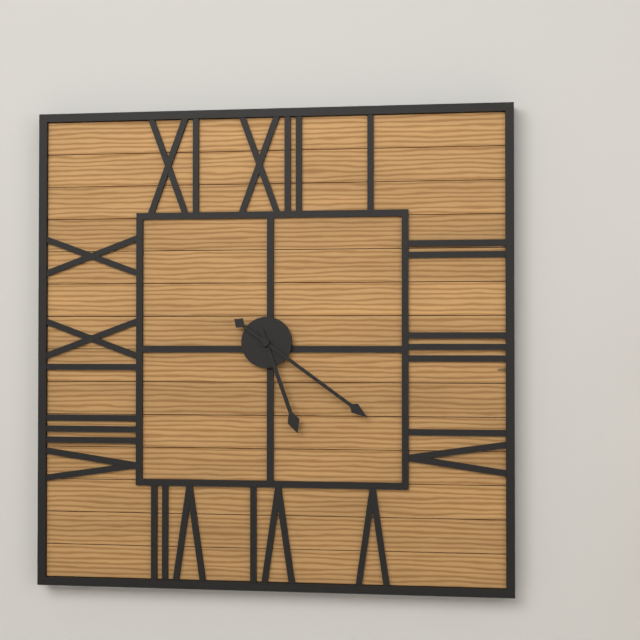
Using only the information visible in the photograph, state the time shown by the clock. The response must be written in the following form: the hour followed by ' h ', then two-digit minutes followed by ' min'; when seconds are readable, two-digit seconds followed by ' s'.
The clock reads 5 h 21 min
